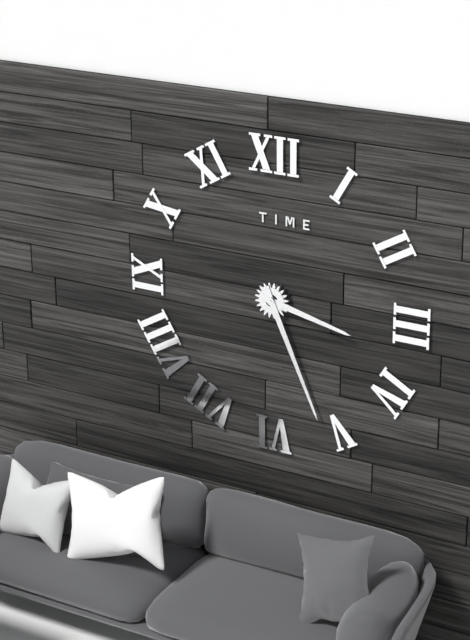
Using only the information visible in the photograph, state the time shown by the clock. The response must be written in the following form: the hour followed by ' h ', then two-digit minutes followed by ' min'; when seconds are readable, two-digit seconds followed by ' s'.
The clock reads 3 h 26 min
